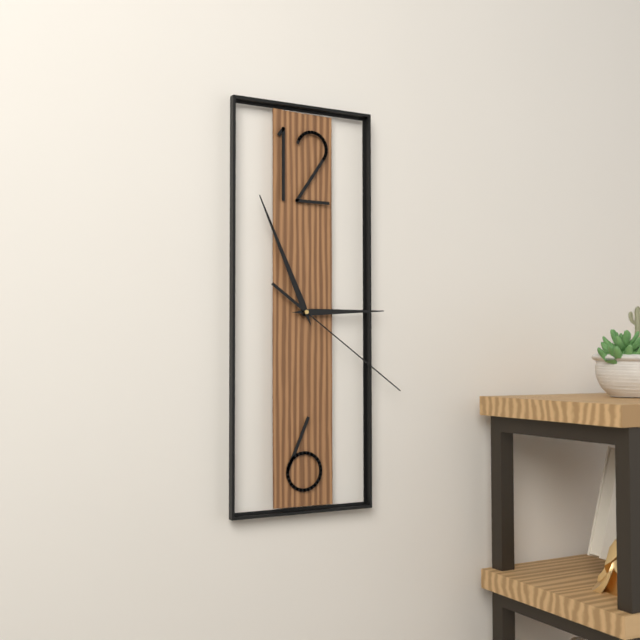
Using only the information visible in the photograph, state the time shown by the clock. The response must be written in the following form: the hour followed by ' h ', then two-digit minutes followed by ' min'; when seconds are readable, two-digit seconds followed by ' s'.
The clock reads 2 h 56 min 21 s
